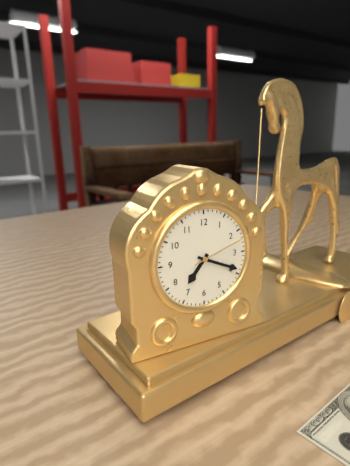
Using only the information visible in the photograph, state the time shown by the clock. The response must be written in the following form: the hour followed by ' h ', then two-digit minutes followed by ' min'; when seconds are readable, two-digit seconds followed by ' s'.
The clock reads 7 h 19 min 12 s
